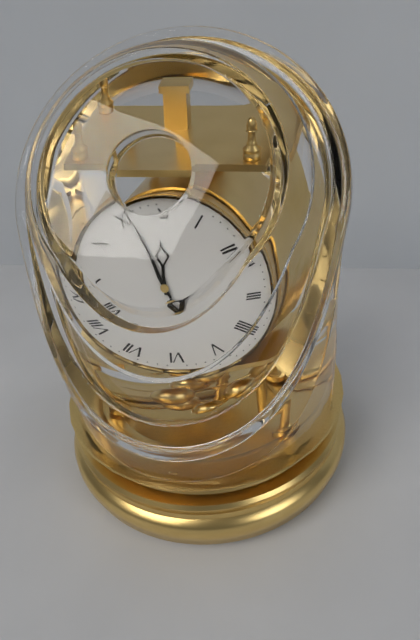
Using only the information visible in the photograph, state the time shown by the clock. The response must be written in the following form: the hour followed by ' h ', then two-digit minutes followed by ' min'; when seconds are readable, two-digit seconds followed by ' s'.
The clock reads 11 h 56 min
